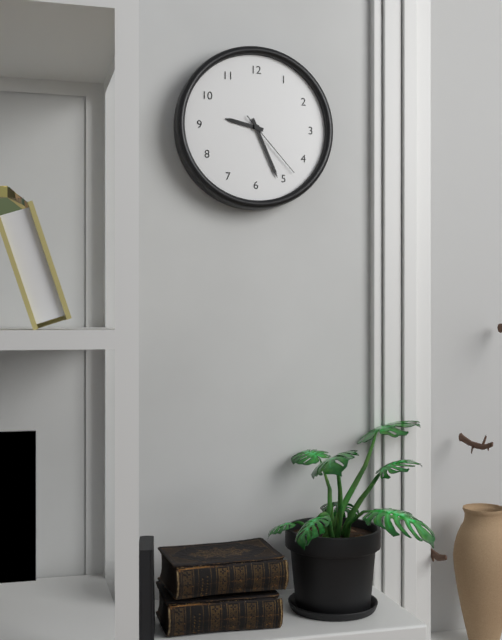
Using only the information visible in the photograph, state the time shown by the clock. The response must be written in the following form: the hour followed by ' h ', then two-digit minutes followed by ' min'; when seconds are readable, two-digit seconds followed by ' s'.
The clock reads 9 h 26 min 23 s
